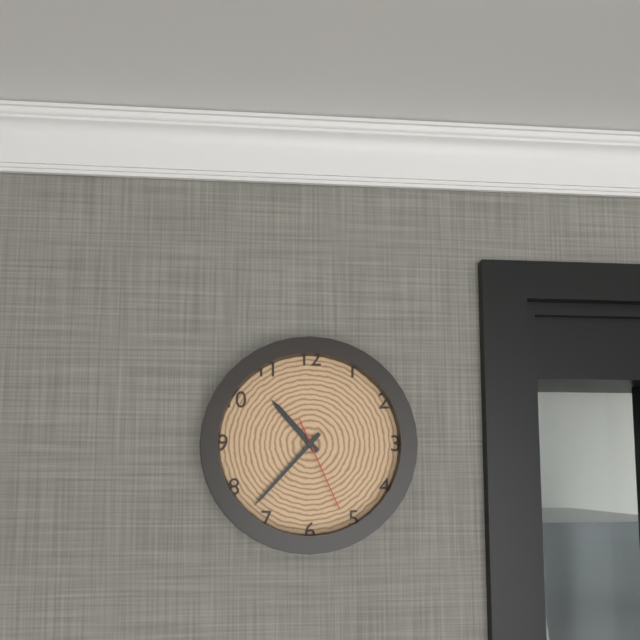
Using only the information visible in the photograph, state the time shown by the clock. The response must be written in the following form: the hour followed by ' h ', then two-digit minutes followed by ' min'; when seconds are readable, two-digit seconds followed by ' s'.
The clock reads 10 h 37 min 26 s
